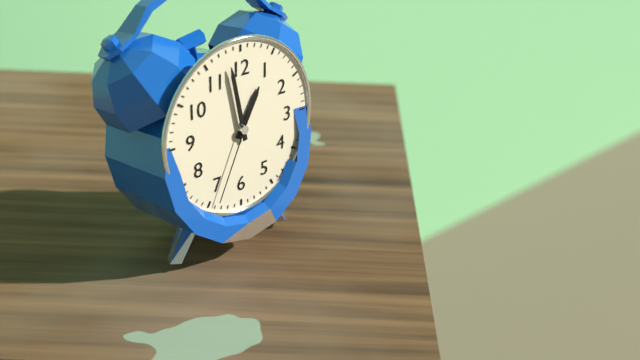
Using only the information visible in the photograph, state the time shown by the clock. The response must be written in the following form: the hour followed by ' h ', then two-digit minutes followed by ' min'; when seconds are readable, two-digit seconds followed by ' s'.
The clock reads 12 h 58 min 34 s
